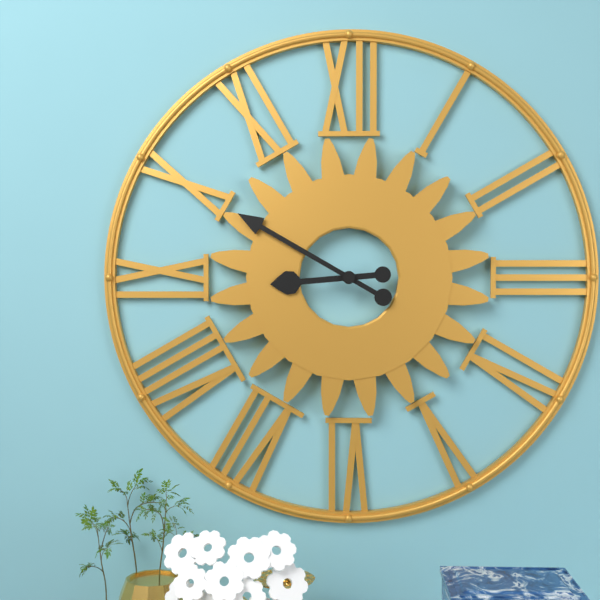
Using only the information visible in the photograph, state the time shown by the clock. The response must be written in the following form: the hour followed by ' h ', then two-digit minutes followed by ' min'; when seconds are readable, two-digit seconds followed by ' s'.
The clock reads 8 h 50 min
